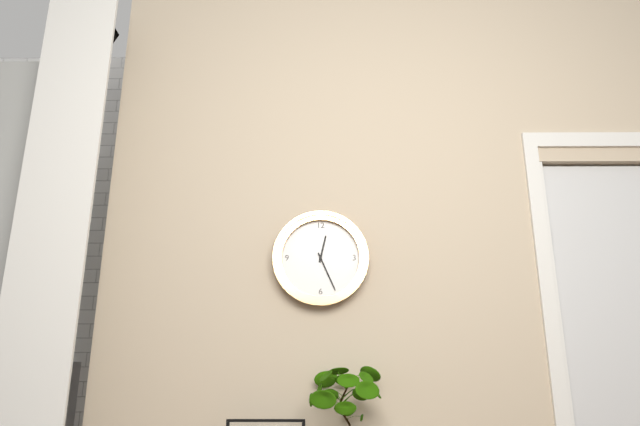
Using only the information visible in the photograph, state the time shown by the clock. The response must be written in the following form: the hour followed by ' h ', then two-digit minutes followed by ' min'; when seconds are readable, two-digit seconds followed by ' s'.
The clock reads 12 h 26 min
